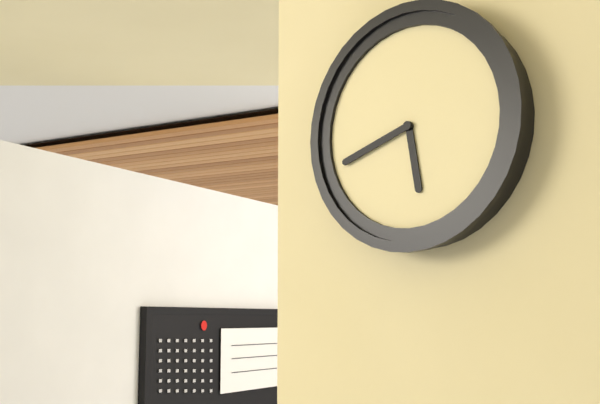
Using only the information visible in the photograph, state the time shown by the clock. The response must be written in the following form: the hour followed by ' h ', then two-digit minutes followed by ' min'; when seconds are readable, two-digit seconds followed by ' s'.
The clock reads 5 h 42 min
